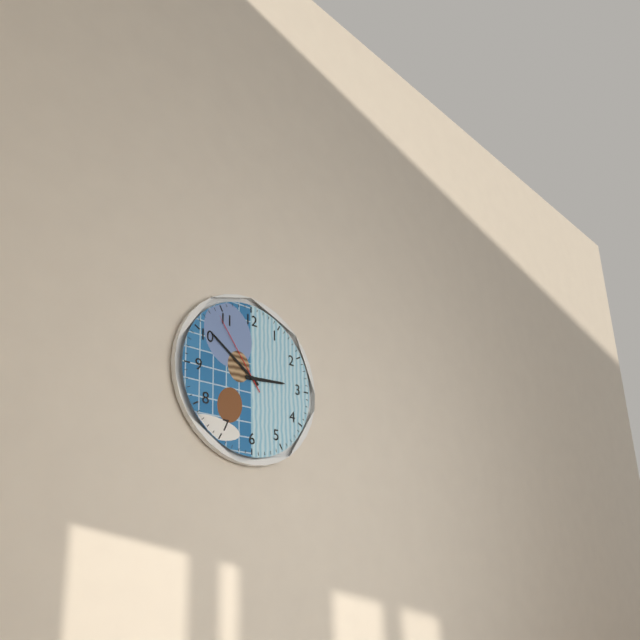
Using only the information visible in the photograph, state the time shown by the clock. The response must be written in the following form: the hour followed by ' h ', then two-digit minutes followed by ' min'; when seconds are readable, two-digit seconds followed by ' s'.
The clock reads 2 h 51 min 54 s
